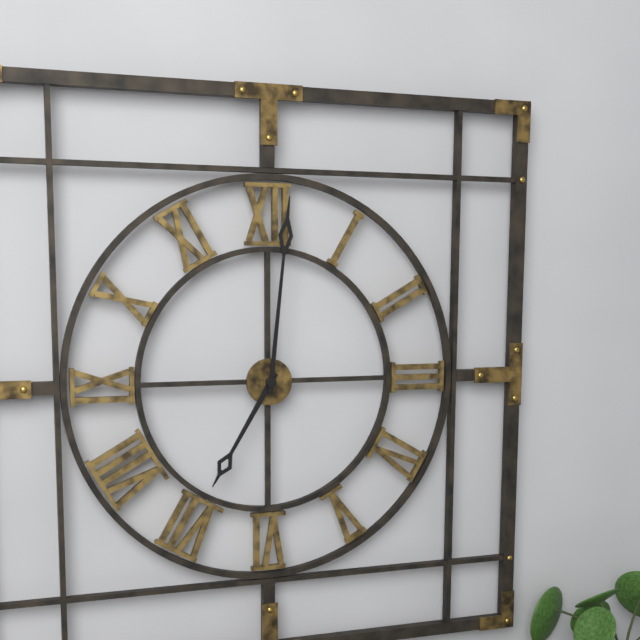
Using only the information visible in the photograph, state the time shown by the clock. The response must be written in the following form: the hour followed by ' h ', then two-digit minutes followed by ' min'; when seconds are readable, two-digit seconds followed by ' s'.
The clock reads 7 h 01 min
